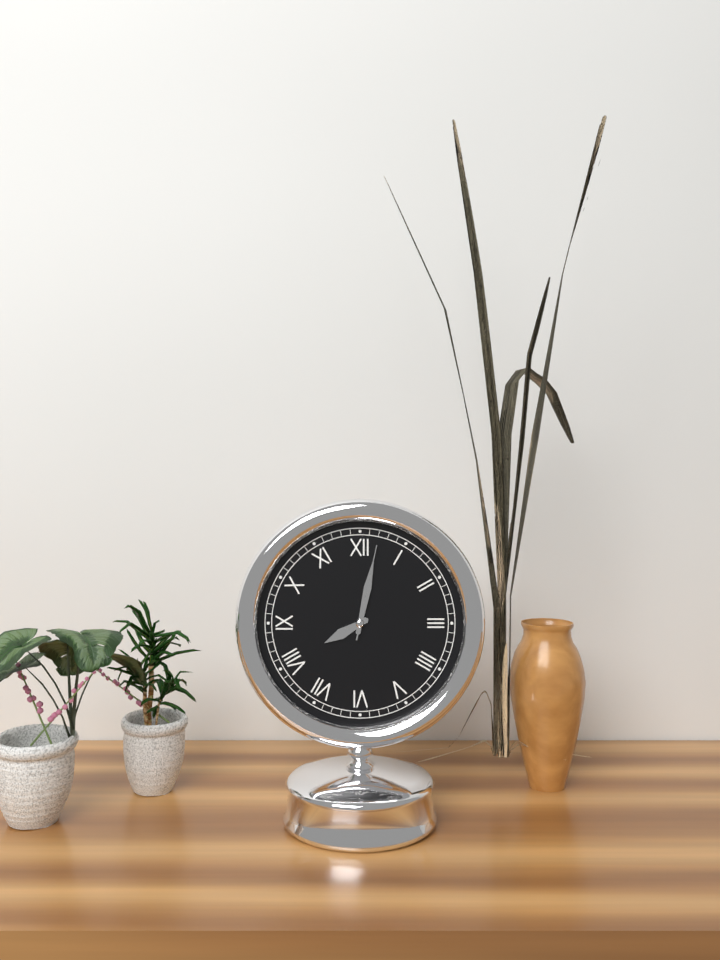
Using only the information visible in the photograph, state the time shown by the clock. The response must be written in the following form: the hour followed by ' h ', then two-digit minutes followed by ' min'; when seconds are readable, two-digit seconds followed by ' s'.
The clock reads 8 h 02 min 02 s
